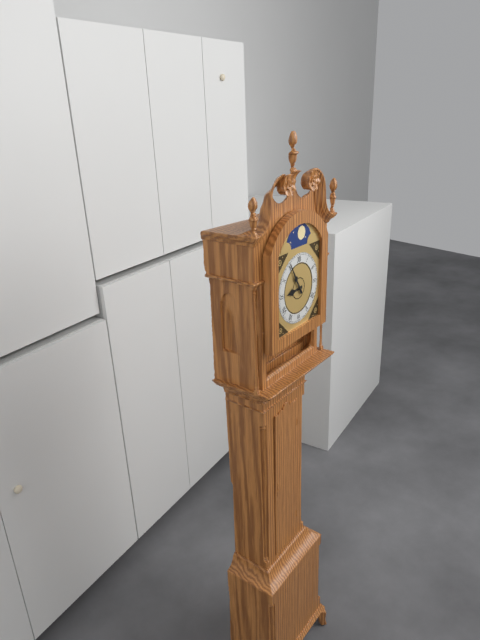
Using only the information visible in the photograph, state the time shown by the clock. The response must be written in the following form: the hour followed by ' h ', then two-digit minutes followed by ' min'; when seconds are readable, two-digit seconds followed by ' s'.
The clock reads 8 h 55 min
